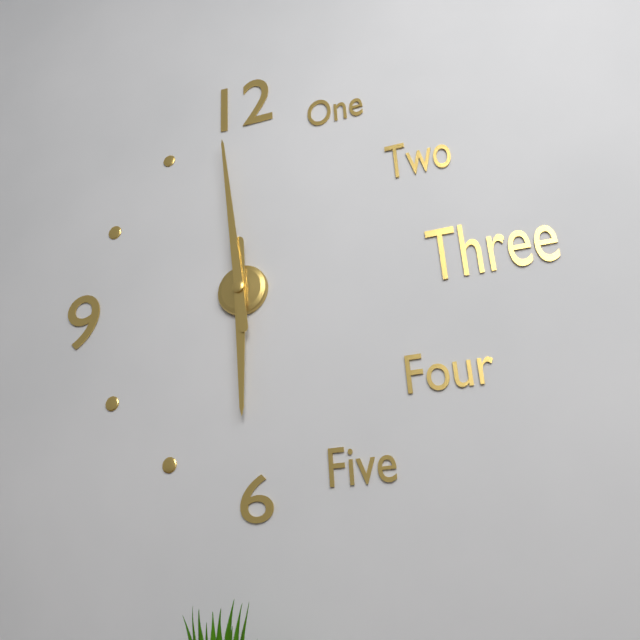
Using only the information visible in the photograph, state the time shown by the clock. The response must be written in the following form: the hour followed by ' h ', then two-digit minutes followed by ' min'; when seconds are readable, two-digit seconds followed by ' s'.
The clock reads 5 h 59 min
